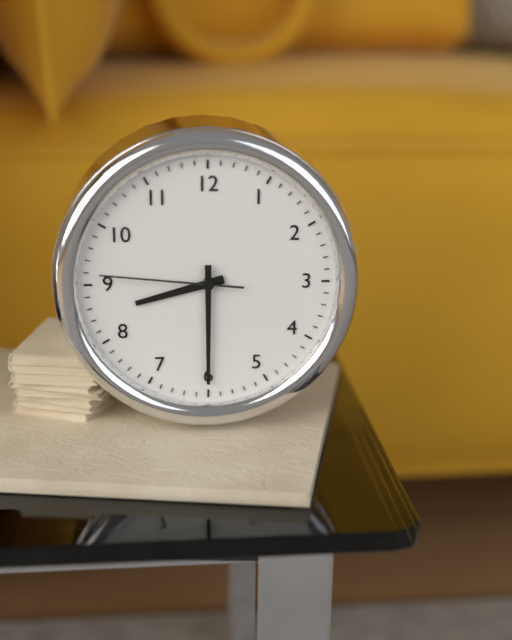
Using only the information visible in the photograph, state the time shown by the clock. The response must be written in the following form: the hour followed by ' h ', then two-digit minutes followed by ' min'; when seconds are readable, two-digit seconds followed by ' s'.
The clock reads 8 h 30 min 46 s
